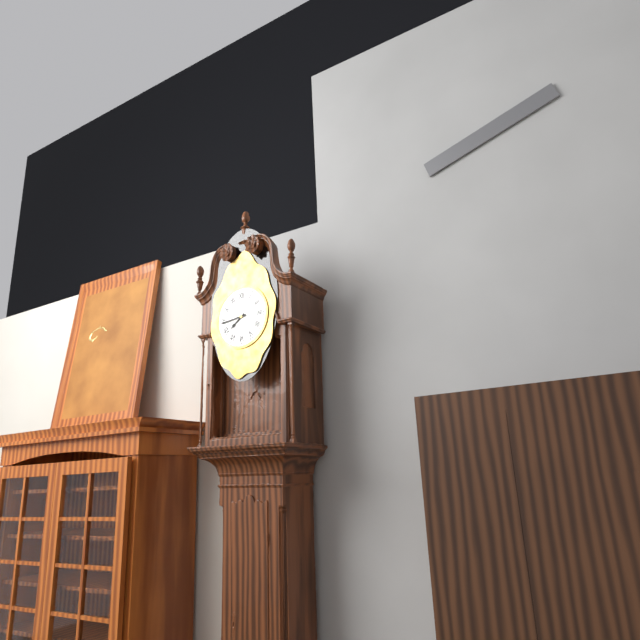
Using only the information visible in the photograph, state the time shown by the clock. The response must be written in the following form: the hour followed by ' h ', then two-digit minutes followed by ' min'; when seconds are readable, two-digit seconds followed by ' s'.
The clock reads 7 h 44 min
